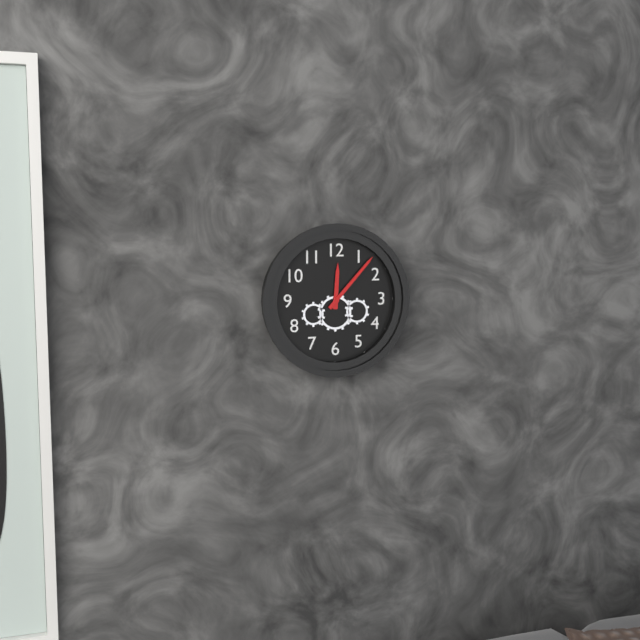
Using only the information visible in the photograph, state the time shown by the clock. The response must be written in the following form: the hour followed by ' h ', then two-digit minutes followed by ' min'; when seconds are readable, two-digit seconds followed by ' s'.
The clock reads 12 h 07 min
